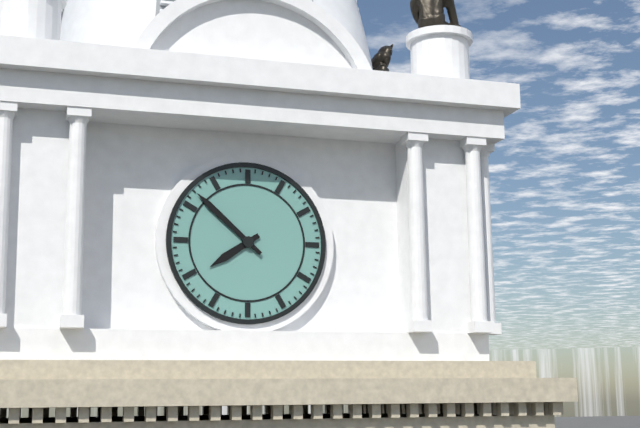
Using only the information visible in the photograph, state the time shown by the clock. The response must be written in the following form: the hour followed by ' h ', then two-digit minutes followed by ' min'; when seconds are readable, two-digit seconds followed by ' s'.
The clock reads 7 h 52 min
